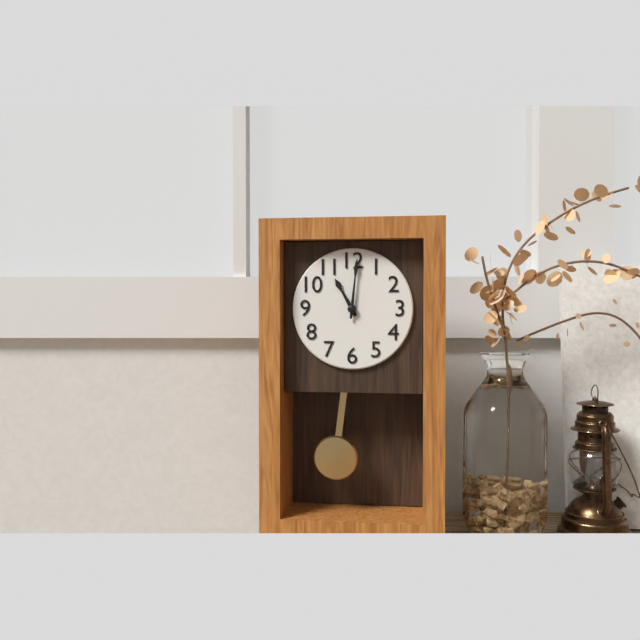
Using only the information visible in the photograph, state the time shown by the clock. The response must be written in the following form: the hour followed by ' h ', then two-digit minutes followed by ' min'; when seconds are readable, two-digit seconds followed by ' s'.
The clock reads 11 h 01 min
